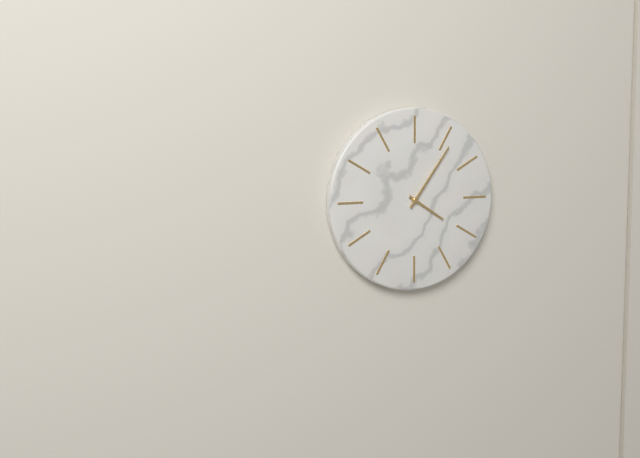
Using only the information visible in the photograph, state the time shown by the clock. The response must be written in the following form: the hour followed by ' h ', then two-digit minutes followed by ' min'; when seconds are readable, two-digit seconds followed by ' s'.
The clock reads 4 h 06 min
